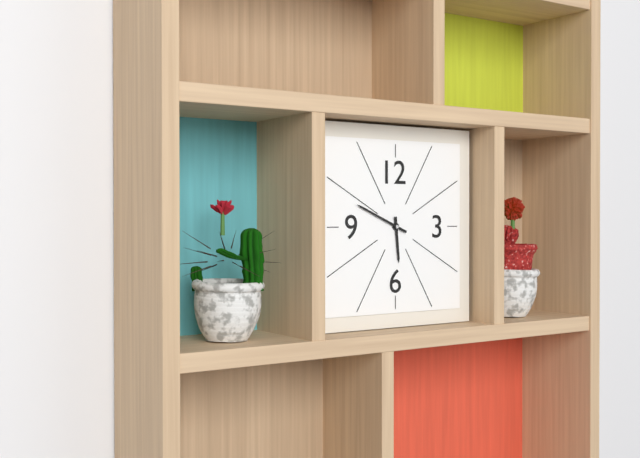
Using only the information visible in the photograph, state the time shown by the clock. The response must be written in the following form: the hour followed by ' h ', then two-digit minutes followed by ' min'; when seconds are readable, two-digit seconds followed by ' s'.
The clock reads 5 h 49 min
